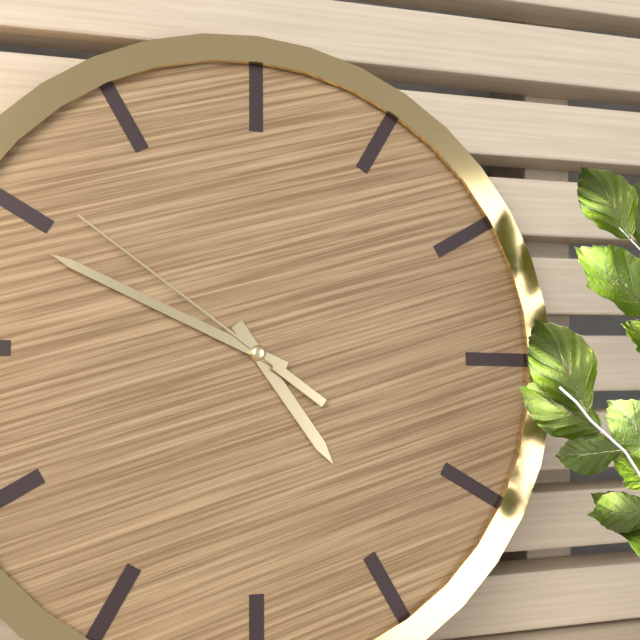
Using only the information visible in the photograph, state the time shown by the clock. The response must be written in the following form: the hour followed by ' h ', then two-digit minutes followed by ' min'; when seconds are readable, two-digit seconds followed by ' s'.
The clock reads 4 h 49 min 51 s
